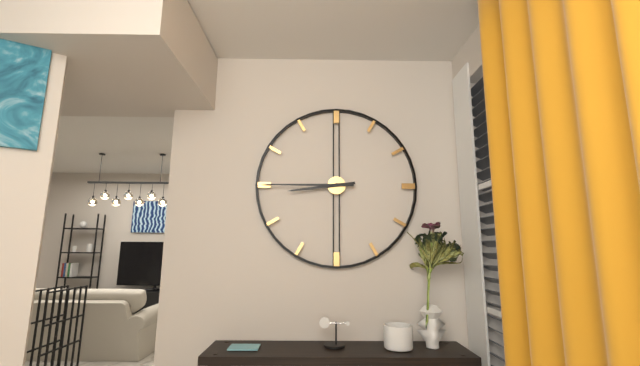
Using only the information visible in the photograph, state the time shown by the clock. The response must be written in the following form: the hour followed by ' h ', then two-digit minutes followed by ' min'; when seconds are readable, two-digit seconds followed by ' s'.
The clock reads 8 h 45 min
